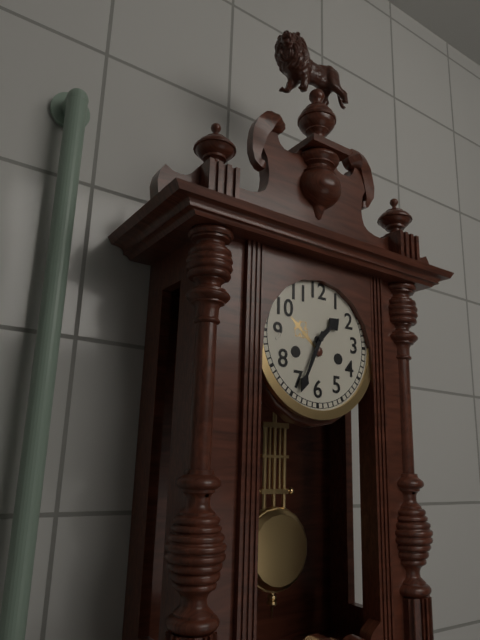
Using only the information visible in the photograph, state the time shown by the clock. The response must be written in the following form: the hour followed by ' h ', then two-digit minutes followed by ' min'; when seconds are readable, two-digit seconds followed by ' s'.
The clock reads 1 h 34 min
